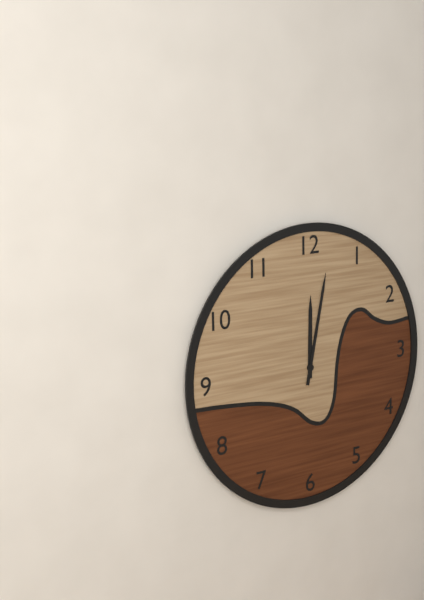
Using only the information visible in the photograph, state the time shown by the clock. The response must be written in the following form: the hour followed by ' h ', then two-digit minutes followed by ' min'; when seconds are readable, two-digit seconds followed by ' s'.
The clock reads 12 h 02 min
